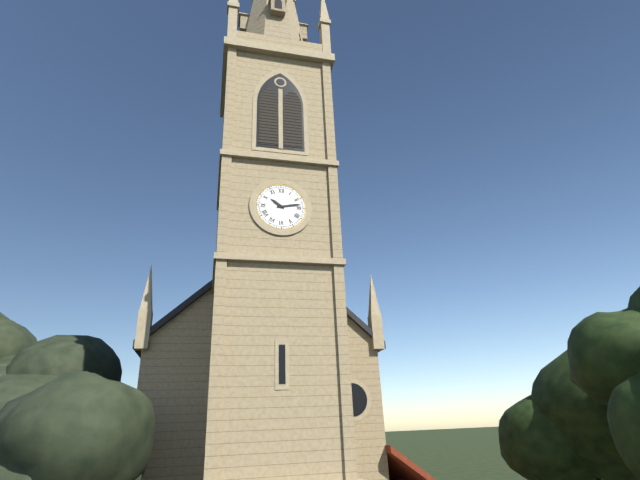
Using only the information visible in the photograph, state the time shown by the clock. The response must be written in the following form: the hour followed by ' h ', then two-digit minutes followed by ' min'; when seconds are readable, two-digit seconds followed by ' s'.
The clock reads 10 h 13 min
